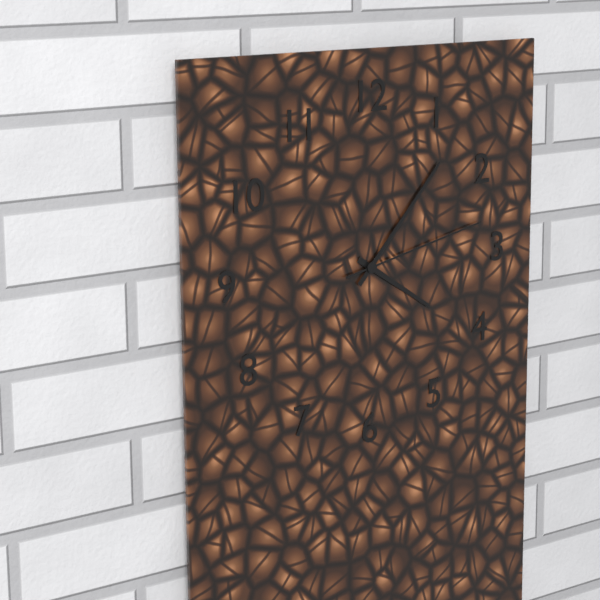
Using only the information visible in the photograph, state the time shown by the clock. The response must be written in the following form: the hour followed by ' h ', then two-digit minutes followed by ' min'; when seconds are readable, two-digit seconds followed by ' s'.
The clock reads 4 h 07 min 13 s
